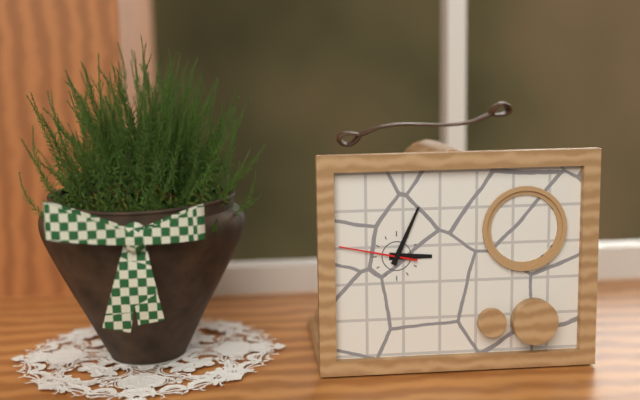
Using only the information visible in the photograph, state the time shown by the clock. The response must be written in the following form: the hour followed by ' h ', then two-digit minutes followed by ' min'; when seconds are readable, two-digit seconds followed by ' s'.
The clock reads 3 h 04 min 47 s
